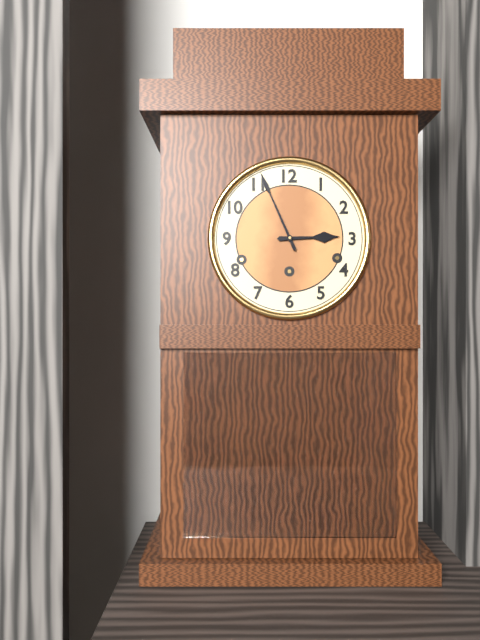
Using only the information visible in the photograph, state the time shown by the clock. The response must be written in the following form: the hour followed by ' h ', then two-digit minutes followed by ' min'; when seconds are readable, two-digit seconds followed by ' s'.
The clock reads 2 h 56 min
